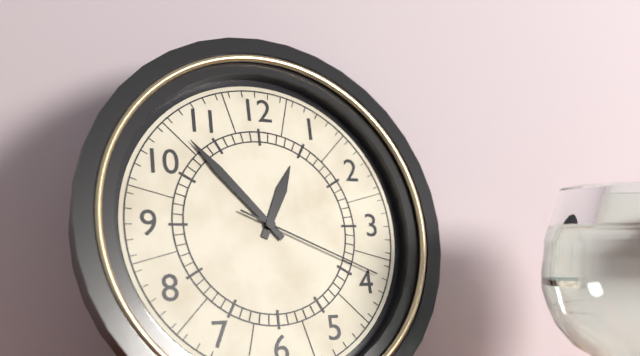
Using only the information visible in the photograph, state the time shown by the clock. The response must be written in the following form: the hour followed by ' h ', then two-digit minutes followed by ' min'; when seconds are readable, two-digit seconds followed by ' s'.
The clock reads 12 h 53 min 19 s
